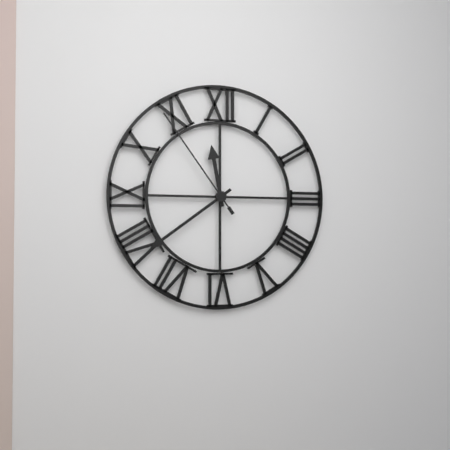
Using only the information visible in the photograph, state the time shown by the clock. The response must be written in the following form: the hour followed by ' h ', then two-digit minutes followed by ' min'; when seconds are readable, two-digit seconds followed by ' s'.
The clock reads 11 h 39 min 54 s
